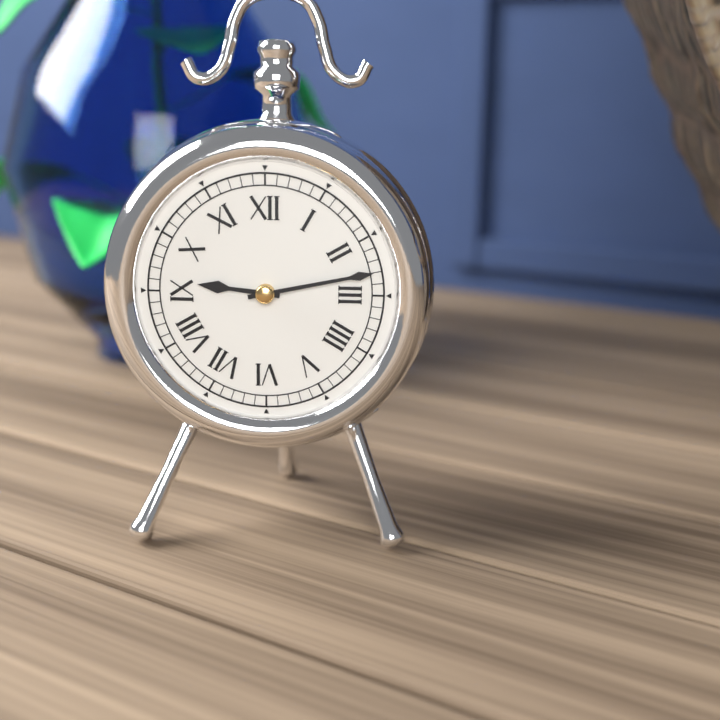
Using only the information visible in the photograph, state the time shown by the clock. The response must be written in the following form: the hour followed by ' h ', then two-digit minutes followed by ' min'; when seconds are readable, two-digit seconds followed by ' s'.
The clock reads 9 h 13 min
